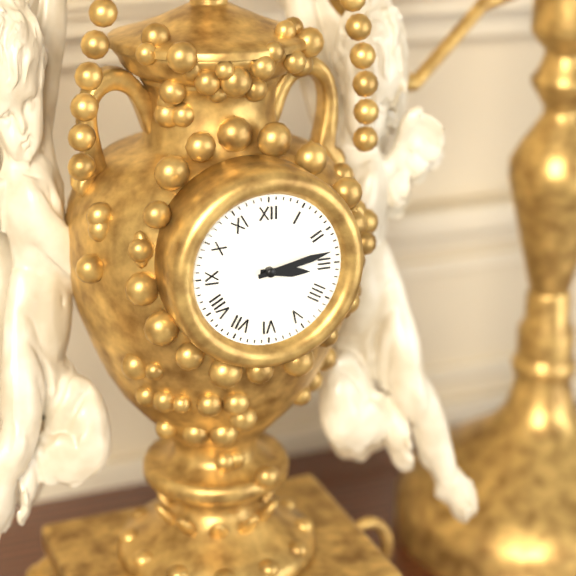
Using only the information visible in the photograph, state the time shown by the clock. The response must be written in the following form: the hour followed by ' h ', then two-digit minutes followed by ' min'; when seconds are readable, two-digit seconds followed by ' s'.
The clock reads 3 h 13 min
